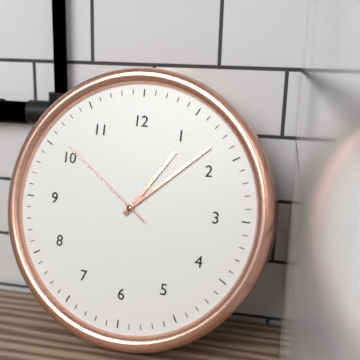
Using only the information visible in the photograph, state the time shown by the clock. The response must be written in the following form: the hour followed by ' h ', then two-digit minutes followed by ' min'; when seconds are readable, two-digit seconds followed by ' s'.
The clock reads 1 h 08 min 51 s
